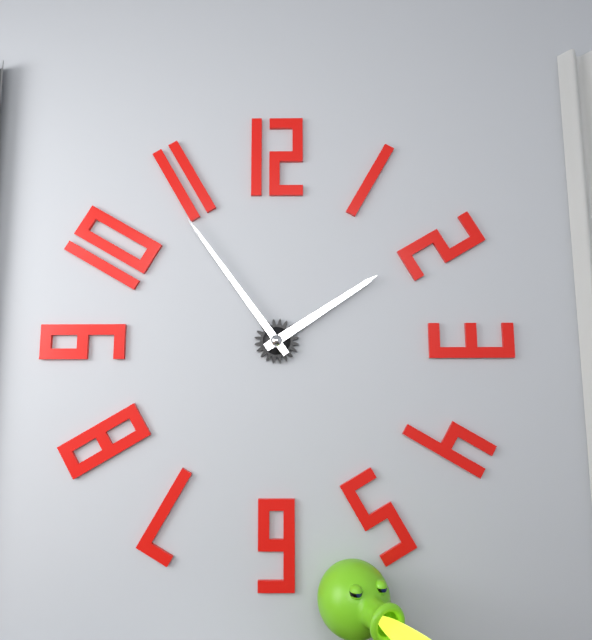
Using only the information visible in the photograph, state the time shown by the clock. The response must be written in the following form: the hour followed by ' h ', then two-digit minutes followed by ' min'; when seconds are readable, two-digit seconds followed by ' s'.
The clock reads 1 h 54 min
